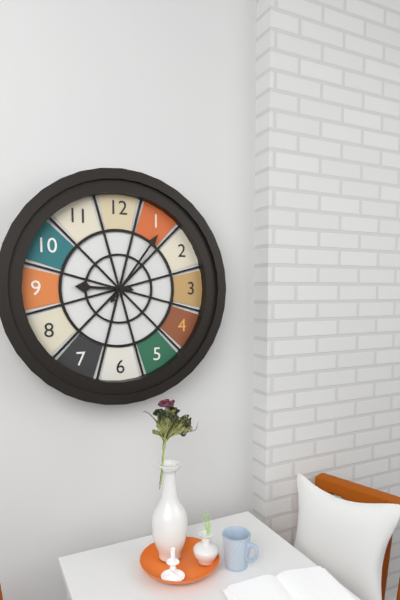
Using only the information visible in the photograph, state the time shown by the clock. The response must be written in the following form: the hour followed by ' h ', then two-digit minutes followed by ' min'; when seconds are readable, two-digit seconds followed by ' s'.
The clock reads 9 h 06 min
